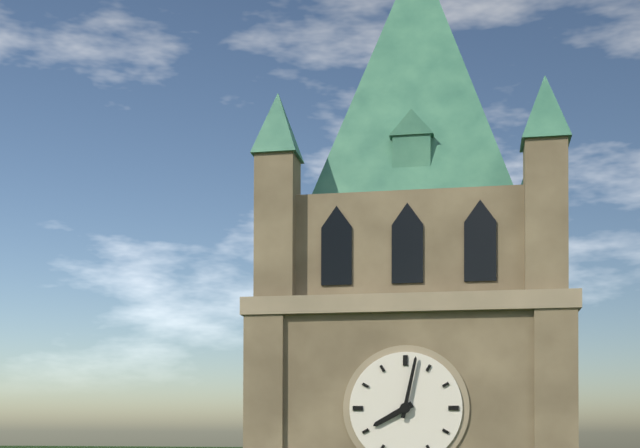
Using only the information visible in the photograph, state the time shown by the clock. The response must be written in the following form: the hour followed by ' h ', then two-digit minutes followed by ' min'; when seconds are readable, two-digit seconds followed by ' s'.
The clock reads 8 h 02 min
